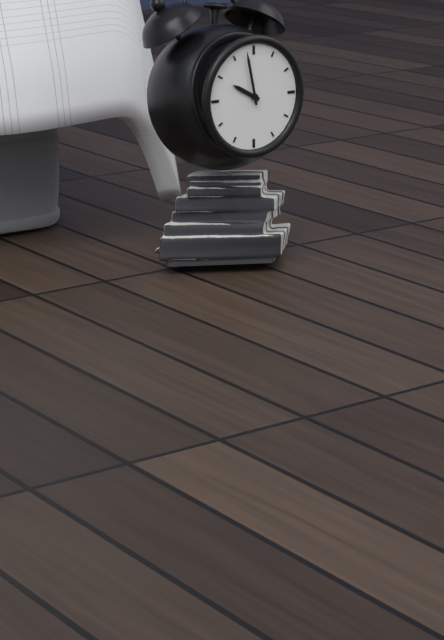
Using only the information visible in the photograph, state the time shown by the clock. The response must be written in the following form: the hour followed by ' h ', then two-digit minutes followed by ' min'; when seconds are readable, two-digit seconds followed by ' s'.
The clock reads 9 h 58 min
